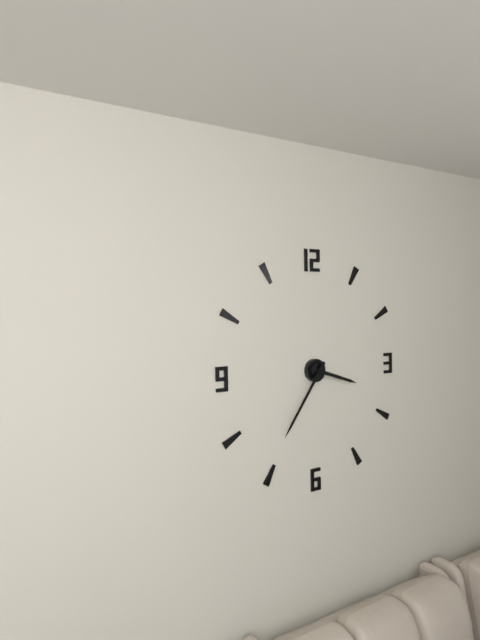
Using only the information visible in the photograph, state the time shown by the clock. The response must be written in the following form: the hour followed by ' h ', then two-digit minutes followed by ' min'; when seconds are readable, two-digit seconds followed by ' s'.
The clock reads 3 h 36 min
